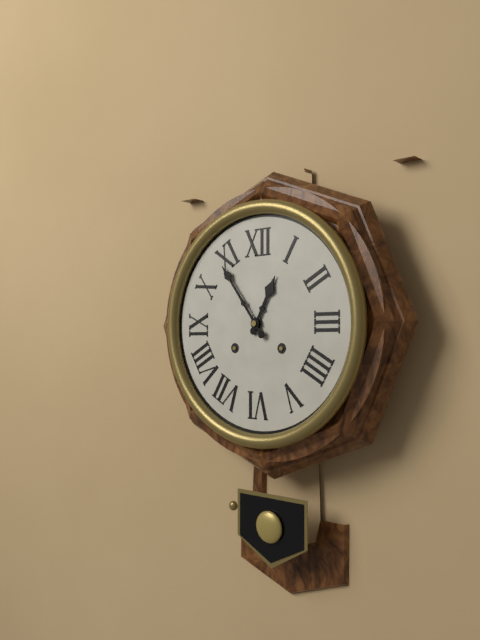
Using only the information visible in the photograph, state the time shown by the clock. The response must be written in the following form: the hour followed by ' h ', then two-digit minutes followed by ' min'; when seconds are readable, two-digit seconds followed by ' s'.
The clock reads 12 h 54 min
